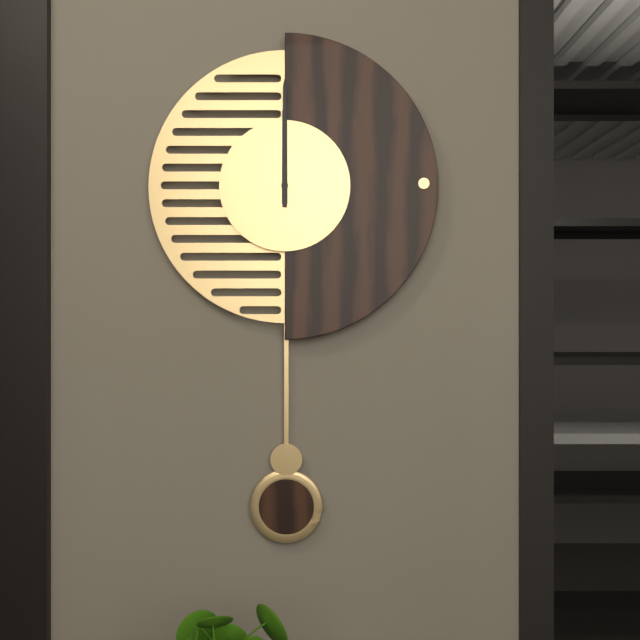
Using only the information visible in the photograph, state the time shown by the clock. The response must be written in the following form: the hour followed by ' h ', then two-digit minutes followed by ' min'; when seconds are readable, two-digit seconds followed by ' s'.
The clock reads 12 h 00 min
